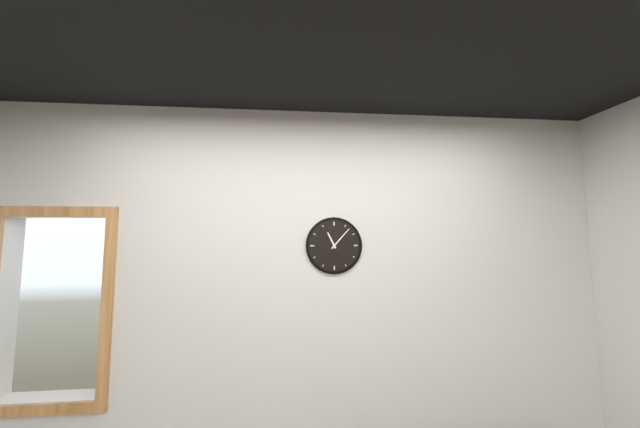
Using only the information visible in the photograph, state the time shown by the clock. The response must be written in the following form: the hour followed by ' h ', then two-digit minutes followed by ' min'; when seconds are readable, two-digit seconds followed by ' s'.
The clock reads 11 h 07 min
